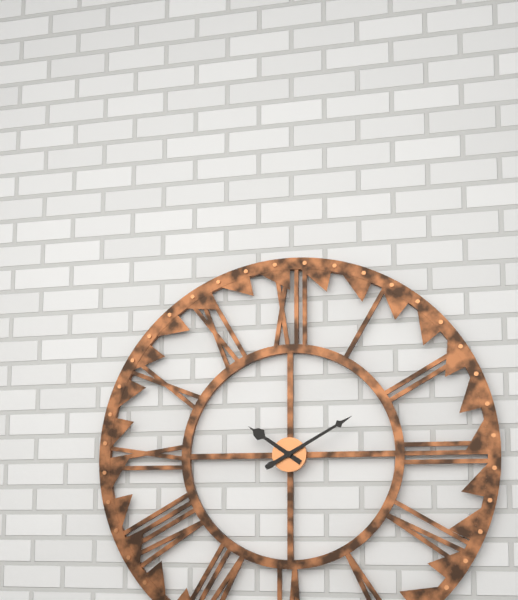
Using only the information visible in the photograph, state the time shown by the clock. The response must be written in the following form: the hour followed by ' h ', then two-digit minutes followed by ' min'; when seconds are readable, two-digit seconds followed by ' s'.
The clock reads 10 h 10 min
